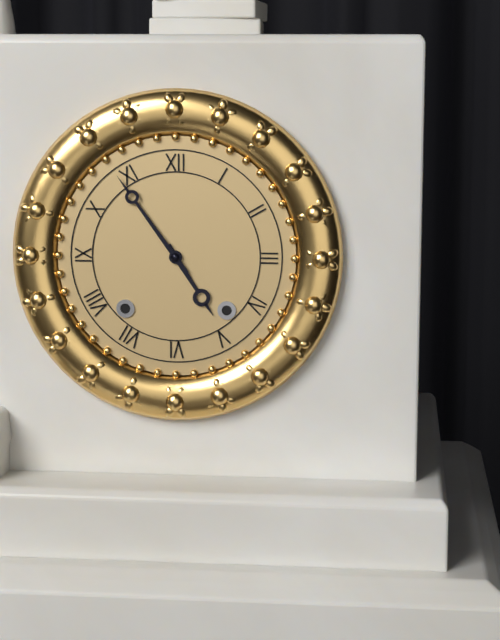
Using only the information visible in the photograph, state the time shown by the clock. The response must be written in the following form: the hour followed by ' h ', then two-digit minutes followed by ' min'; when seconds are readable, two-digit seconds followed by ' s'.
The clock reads 4 h 54 min
